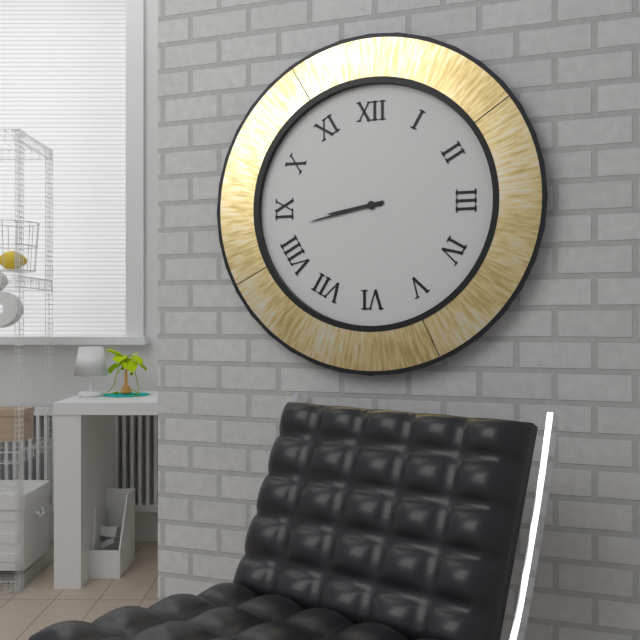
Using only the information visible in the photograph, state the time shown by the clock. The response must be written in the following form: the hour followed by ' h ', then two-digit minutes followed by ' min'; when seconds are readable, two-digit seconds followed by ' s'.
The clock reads 8 h 43 min
